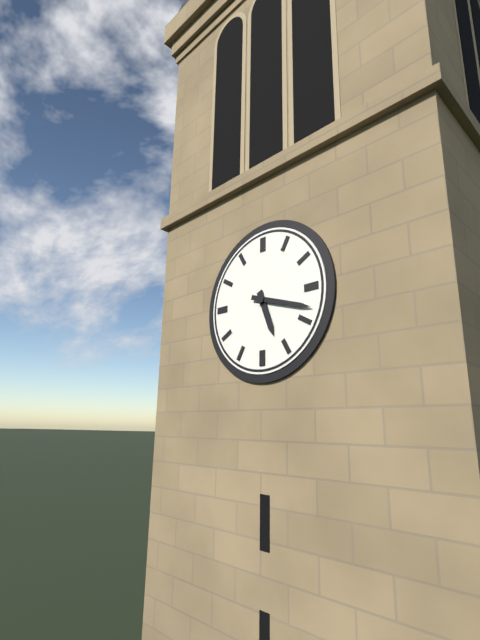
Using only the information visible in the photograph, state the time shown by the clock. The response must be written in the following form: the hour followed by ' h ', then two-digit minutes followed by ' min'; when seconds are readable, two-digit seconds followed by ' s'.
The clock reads 5 h 18 min
